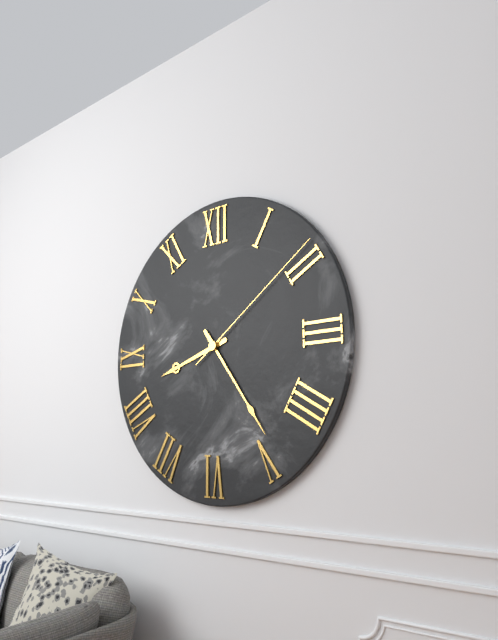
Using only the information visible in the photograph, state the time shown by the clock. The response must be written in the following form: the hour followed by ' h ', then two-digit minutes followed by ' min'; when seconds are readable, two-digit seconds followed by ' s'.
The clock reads 8 h 24 min 09 s
